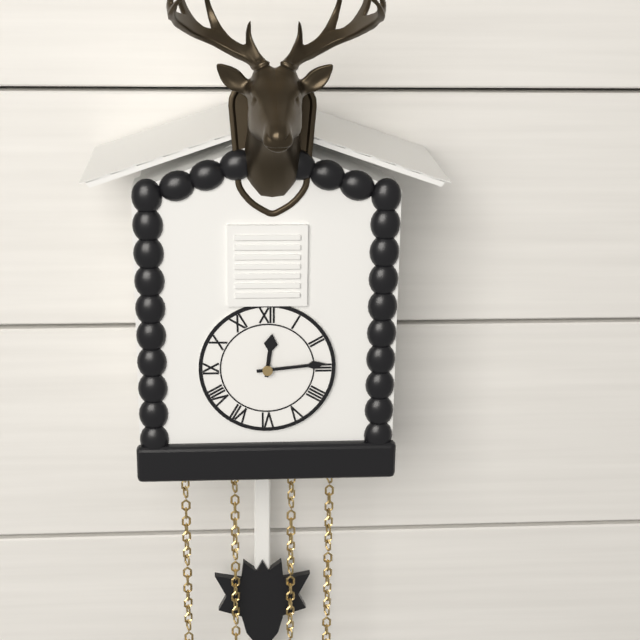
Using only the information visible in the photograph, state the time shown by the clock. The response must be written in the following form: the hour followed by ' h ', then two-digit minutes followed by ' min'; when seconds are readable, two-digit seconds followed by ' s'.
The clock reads 12 h 14 min
